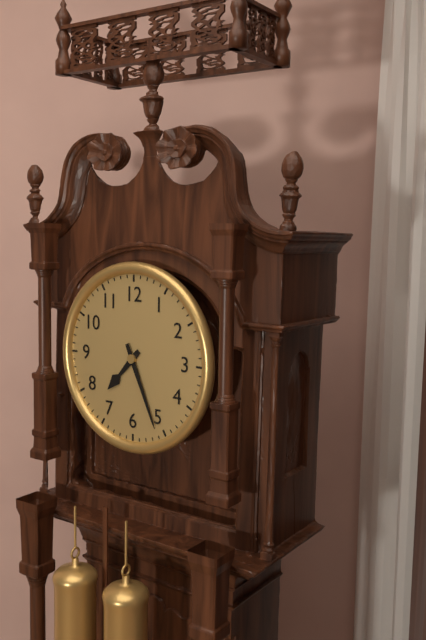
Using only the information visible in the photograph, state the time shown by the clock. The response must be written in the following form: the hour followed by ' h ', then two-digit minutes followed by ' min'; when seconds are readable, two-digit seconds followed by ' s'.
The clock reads 7 h 26 min
